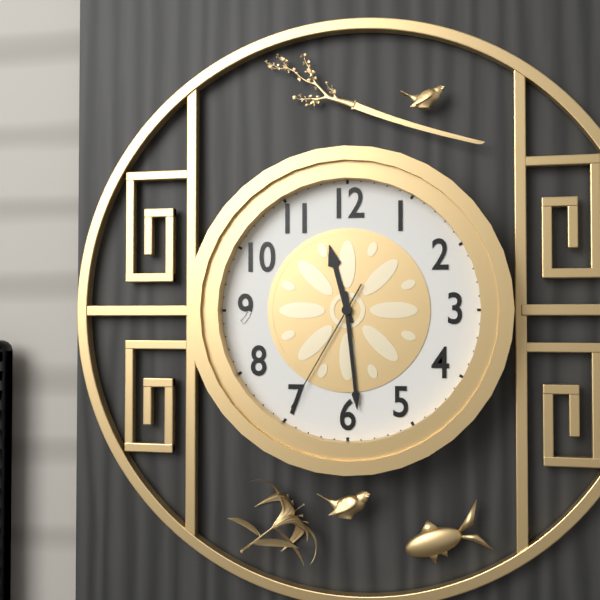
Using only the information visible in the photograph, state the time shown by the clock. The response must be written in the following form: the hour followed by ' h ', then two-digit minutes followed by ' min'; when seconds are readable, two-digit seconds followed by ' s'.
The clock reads 11 h 29 min 35 s
